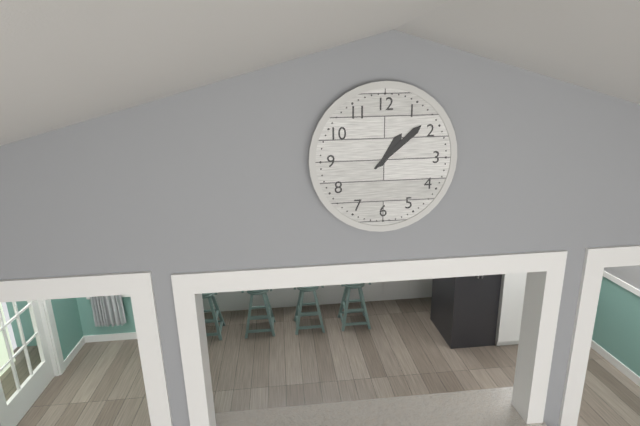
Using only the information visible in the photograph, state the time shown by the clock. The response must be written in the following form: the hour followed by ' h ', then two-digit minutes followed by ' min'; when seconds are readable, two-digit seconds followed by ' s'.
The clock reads 1 h 08 min
